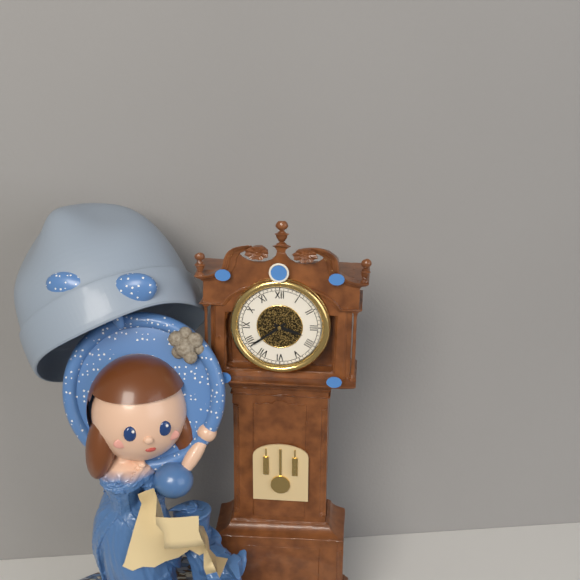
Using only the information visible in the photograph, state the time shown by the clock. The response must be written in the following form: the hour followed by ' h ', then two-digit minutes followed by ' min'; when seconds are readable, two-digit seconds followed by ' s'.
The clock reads 3 h 39 min
